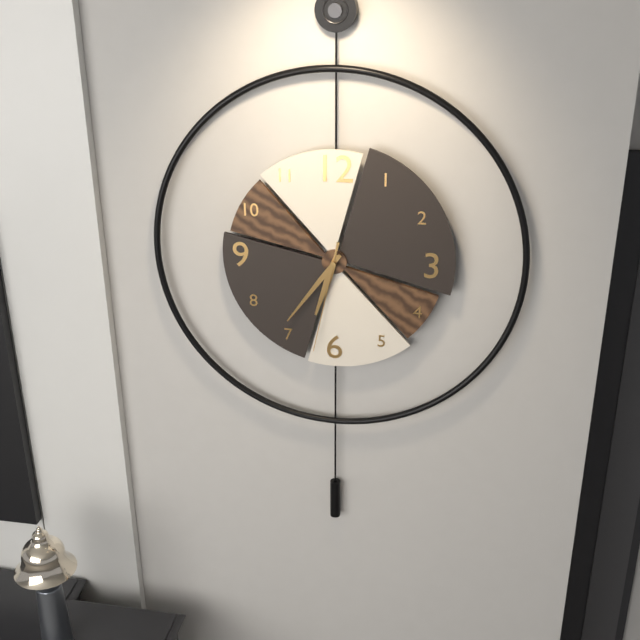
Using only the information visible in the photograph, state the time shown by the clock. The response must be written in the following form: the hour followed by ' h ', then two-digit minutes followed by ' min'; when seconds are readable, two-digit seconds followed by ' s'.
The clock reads 6 h 36 min 32 s
